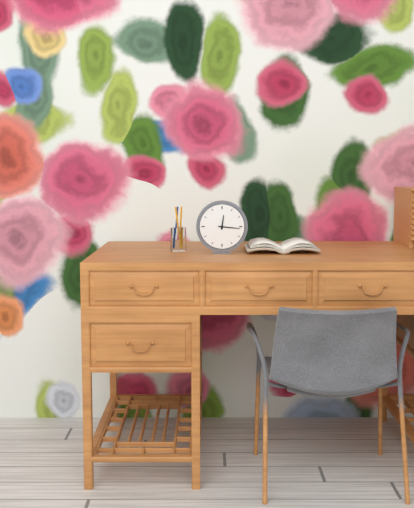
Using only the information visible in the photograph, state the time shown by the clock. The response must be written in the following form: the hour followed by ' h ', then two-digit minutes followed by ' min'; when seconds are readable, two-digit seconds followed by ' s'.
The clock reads 12 h 16 min
